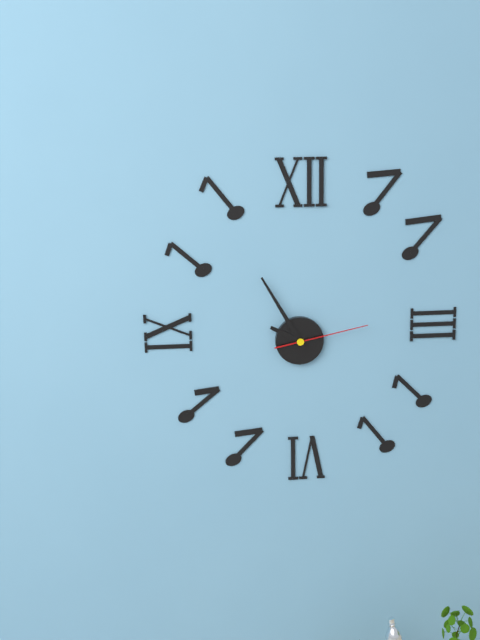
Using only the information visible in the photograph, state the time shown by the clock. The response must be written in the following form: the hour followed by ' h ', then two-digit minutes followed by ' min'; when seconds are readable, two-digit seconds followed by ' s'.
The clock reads 9 h 55 min 13 s
